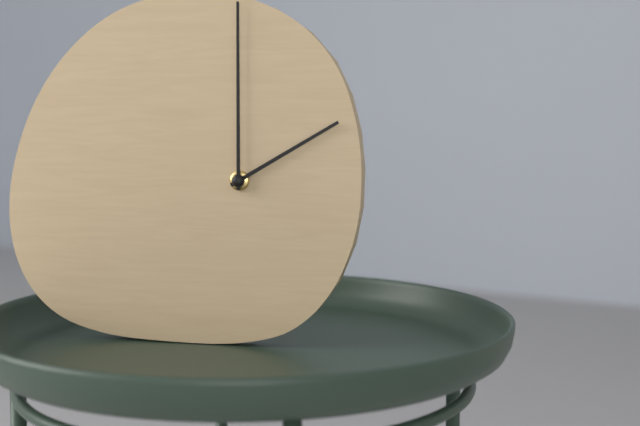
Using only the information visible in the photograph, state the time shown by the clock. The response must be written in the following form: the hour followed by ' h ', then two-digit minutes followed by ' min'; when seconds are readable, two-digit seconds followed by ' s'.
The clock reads 2 h 00 min
